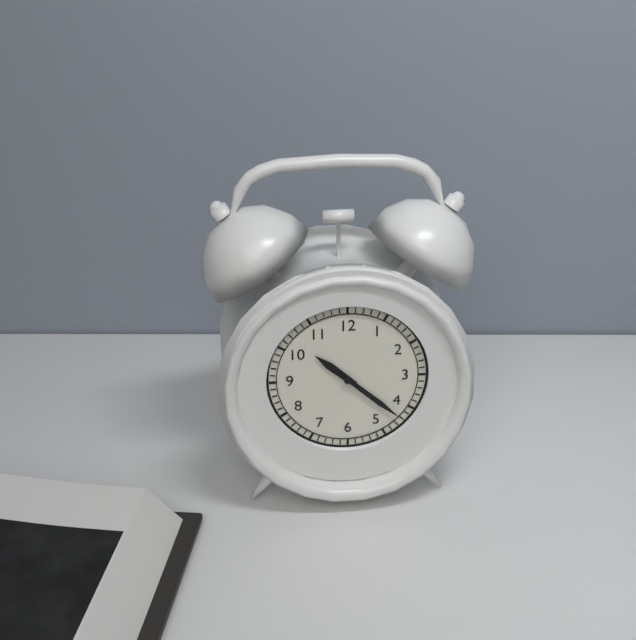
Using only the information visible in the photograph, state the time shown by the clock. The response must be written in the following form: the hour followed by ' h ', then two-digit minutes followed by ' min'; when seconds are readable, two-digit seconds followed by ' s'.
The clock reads 10 h 22 min
